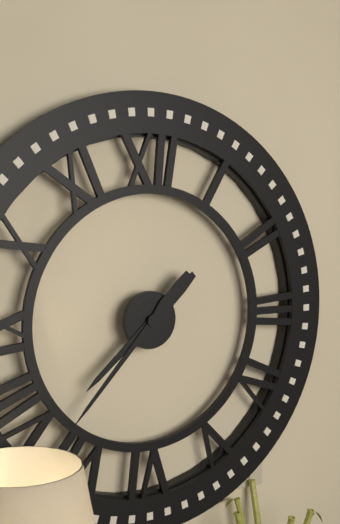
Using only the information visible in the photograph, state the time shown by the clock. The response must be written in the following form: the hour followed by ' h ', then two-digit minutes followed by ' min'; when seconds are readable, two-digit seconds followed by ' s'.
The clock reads 7 h 37 min
